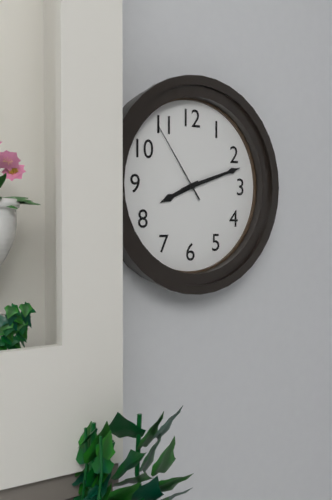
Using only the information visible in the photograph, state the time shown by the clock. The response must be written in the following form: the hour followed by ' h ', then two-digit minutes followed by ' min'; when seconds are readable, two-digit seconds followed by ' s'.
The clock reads 8 h 12 min 54 s
